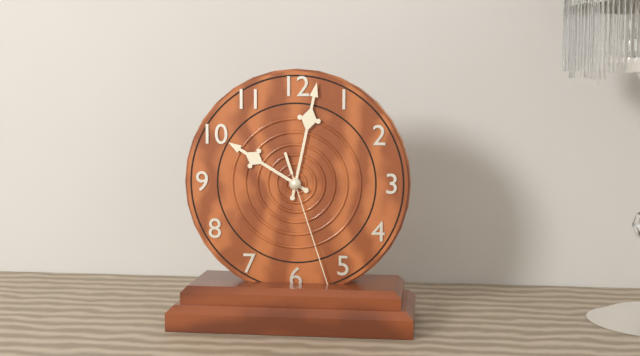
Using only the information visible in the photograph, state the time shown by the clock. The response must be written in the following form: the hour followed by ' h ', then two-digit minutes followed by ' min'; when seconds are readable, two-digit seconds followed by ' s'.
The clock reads 10 h 02 min 27 s
